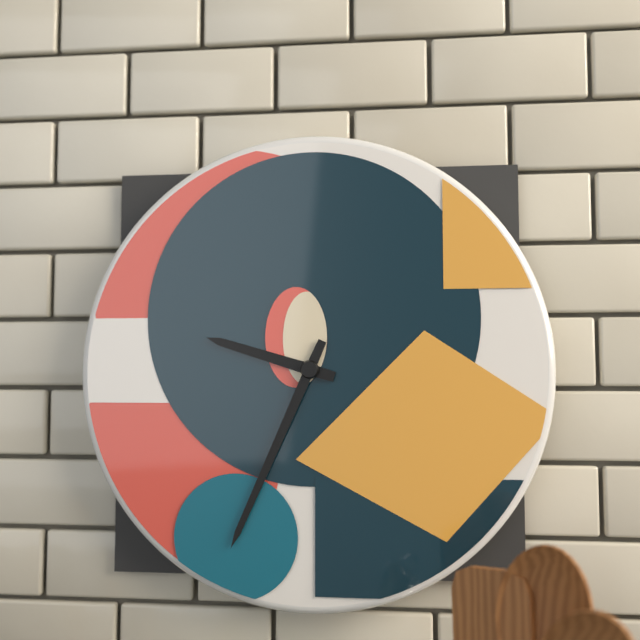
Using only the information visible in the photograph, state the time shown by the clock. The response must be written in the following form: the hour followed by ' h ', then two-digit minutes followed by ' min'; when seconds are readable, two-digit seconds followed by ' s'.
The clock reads 9 h 34 min
